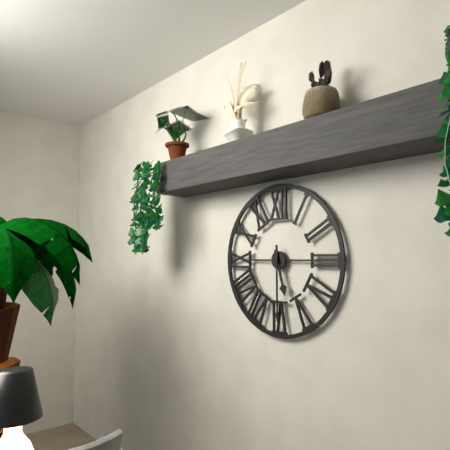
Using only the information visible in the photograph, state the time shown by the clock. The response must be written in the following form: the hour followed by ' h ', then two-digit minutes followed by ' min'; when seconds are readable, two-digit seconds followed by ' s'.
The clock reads 5 h 30 min
